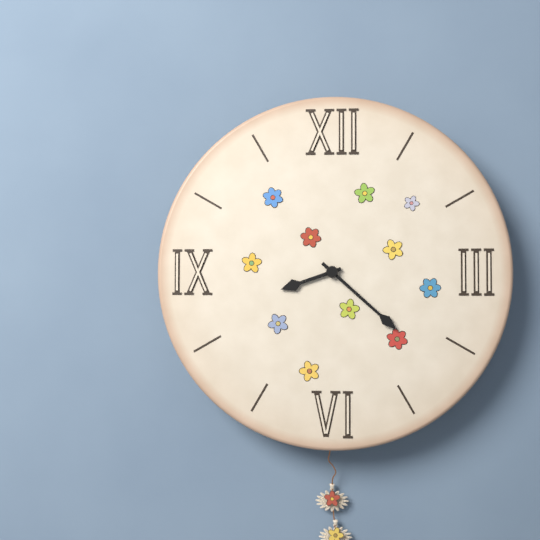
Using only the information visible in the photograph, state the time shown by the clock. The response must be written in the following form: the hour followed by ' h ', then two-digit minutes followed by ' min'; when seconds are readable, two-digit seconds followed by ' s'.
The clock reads 8 h 22 min
